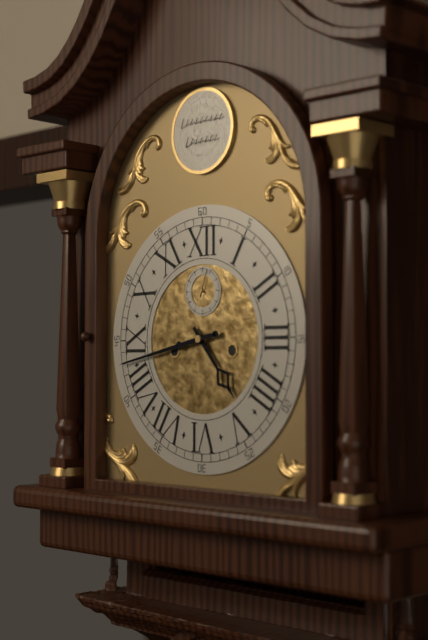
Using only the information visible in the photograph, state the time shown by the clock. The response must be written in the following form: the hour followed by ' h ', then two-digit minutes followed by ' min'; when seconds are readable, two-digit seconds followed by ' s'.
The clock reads 4 h 43 min 03 s
